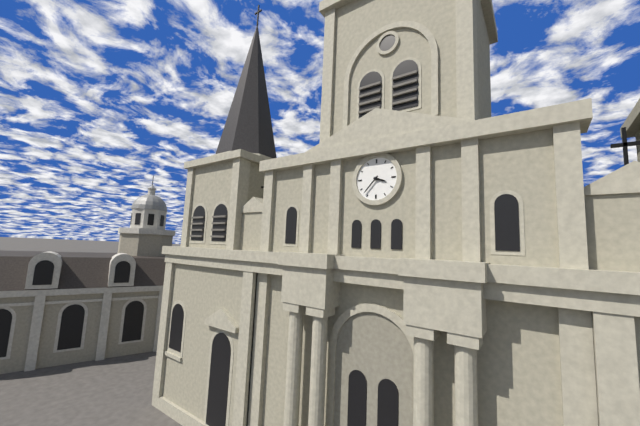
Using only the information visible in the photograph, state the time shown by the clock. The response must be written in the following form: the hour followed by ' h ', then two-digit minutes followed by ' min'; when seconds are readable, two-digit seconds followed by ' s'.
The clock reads 3 h 37 min
